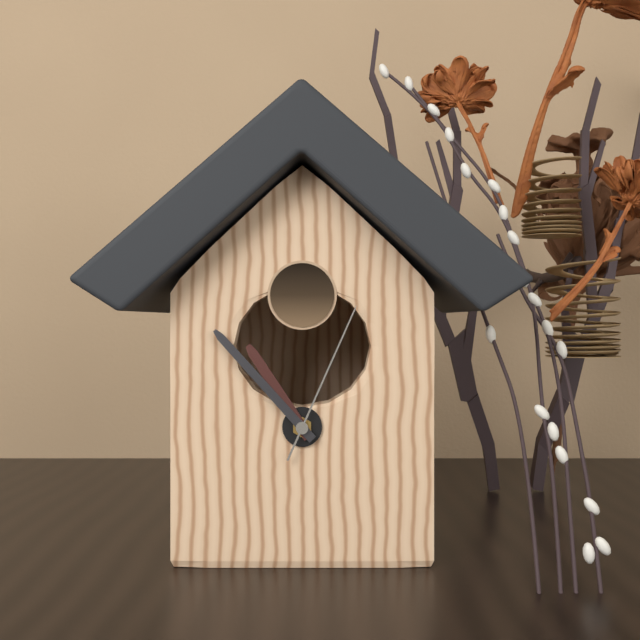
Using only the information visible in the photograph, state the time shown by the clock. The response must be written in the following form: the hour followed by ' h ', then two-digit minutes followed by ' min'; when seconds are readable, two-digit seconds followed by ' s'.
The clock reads 10 h 53 min 04 s
